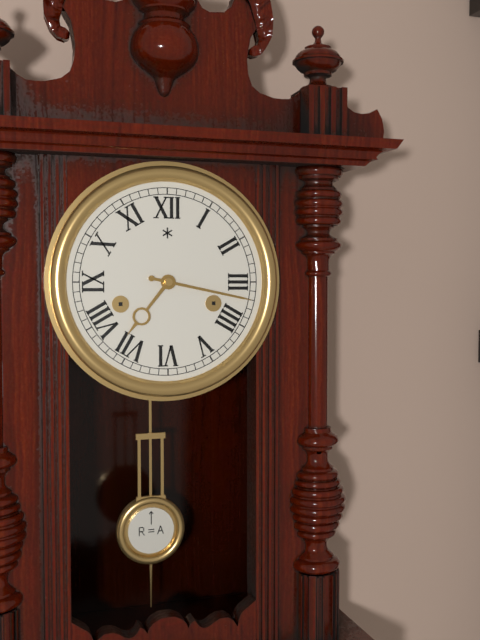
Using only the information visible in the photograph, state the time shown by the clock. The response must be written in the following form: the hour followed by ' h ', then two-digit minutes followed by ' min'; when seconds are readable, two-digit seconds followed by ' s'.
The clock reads 7 h 17 min
